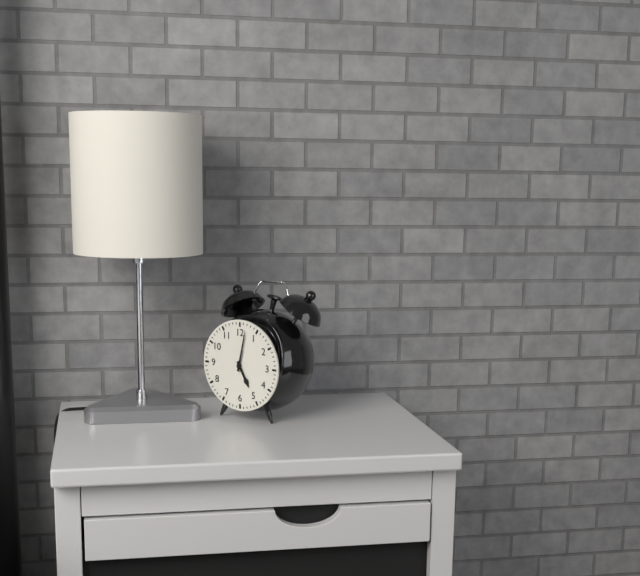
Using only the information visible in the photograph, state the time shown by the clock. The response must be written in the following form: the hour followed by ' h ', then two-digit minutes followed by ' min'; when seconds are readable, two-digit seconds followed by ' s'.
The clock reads 5 h 02 min
